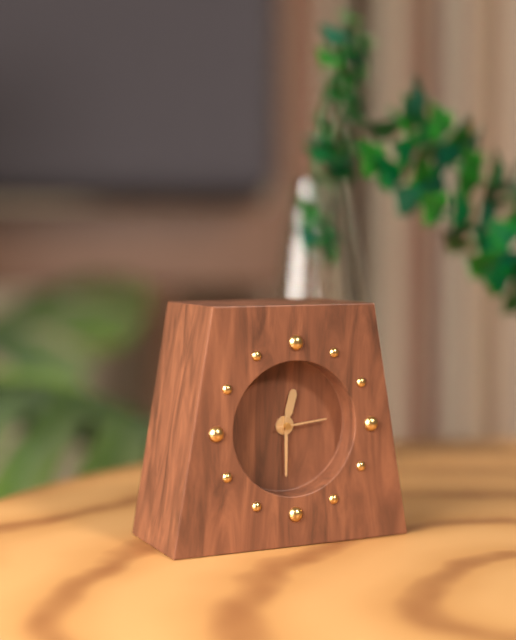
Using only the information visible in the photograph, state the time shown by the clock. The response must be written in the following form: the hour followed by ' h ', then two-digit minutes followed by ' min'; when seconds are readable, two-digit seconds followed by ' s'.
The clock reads 12 h 30 min 14 s
